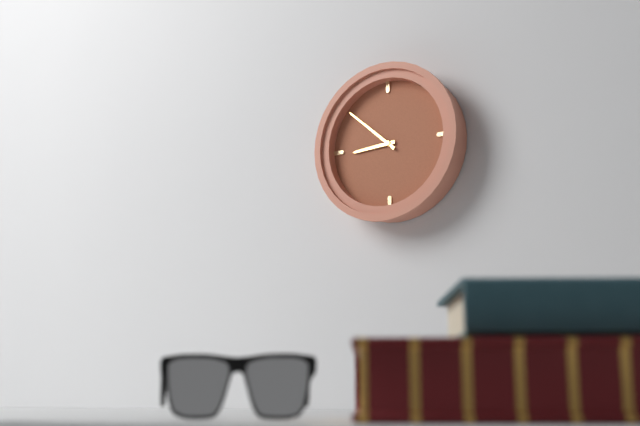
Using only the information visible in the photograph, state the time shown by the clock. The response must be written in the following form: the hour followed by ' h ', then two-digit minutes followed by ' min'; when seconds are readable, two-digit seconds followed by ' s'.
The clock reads 8 h 52 min
